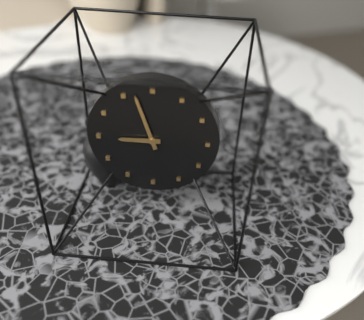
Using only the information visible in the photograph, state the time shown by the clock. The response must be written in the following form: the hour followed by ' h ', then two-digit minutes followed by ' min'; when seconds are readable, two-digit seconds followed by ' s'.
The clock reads 8 h 57 min
